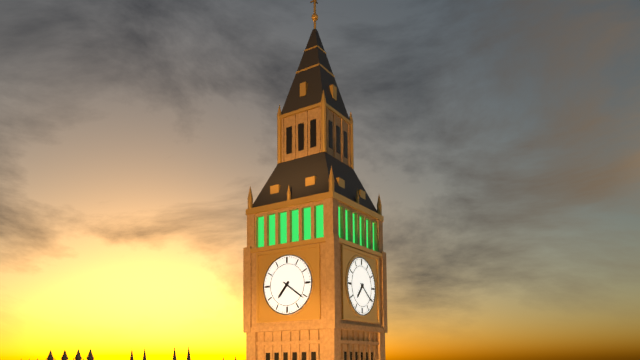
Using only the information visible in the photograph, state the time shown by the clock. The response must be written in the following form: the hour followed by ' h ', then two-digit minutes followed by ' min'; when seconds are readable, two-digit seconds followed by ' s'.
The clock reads 7 h 21 min
